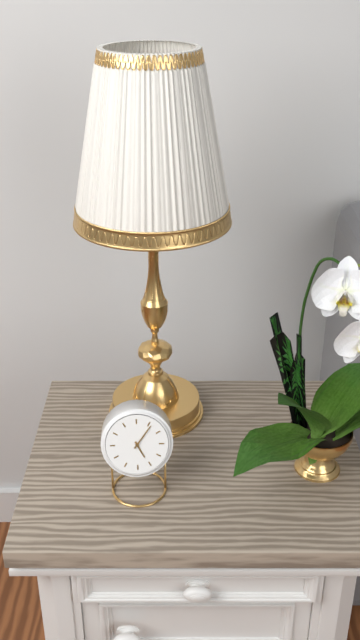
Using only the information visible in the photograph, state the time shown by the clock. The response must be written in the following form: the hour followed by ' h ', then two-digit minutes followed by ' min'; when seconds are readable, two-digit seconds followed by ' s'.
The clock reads 5 h 06 min
